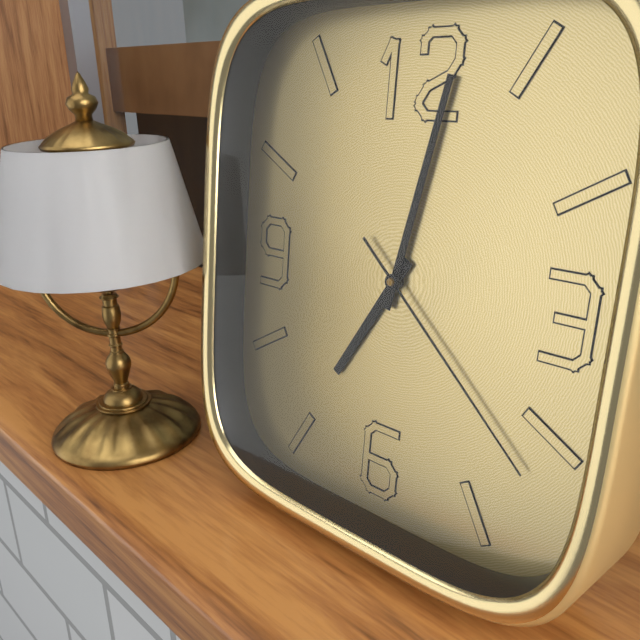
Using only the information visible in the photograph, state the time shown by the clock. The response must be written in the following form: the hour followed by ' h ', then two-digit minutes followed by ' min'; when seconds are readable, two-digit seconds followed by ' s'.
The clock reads 7 h 02 min 22 s
